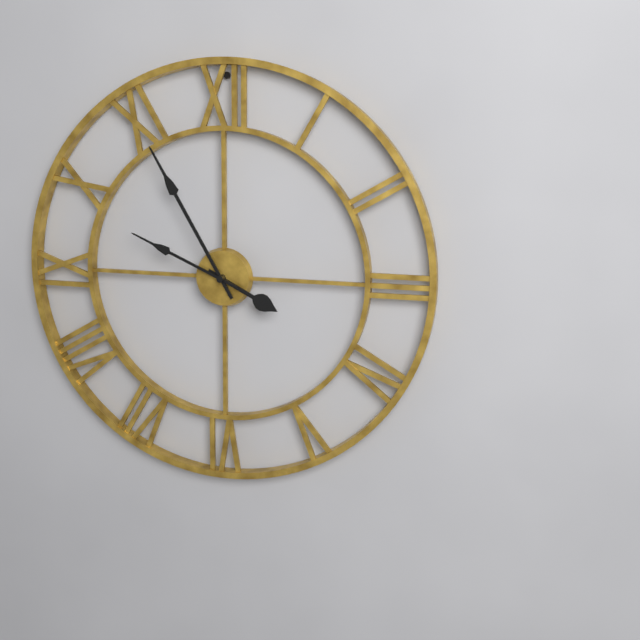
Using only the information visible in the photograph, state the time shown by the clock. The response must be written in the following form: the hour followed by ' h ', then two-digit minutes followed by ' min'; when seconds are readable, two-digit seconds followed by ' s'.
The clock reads 3 h 55 min 49 s
